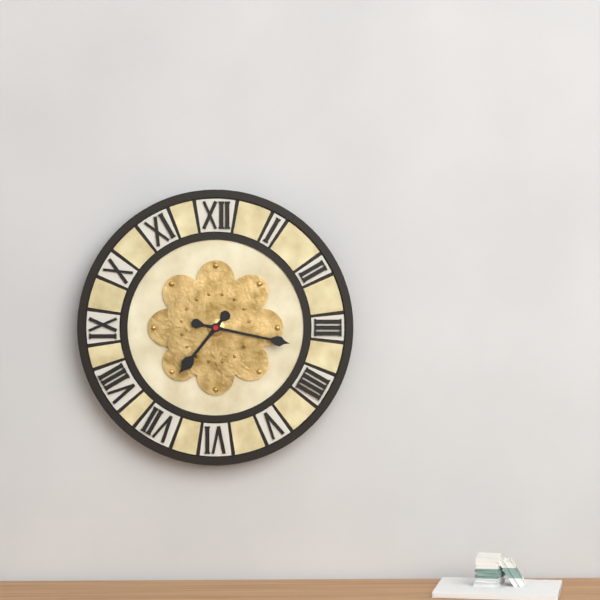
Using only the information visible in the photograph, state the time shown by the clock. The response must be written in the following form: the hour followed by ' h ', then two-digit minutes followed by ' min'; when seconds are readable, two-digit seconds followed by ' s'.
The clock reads 7 h 17 min
